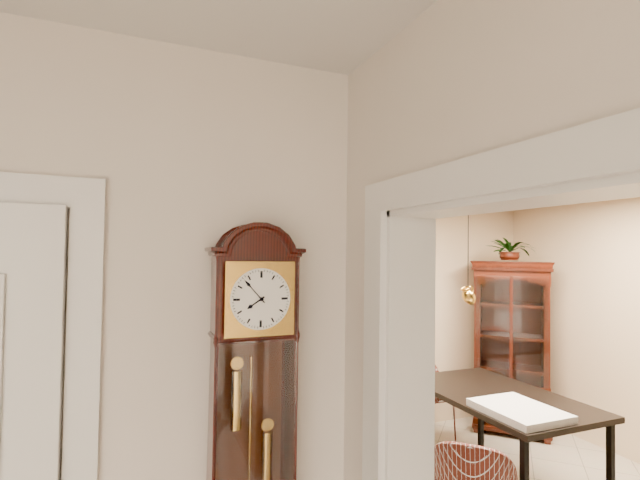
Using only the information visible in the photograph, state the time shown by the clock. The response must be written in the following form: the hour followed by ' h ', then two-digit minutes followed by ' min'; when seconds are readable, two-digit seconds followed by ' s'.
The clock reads 7 h 53 min
